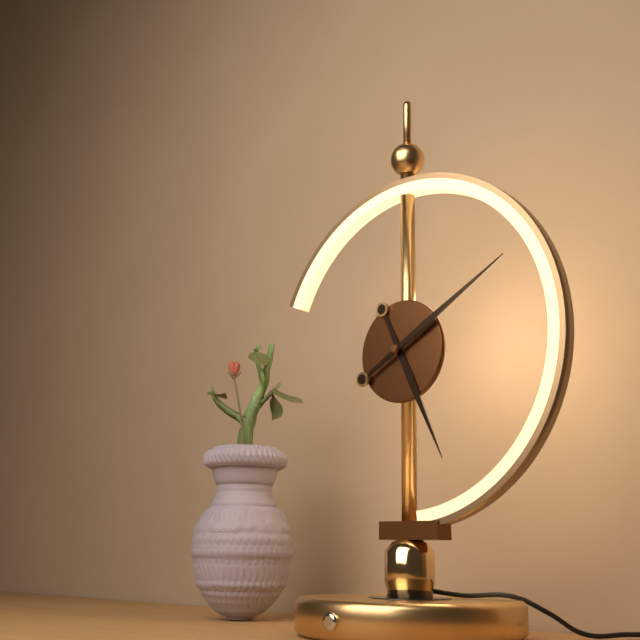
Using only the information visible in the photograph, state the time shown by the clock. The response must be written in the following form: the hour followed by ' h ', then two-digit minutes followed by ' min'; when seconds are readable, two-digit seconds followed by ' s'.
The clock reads 5 h 10 min
